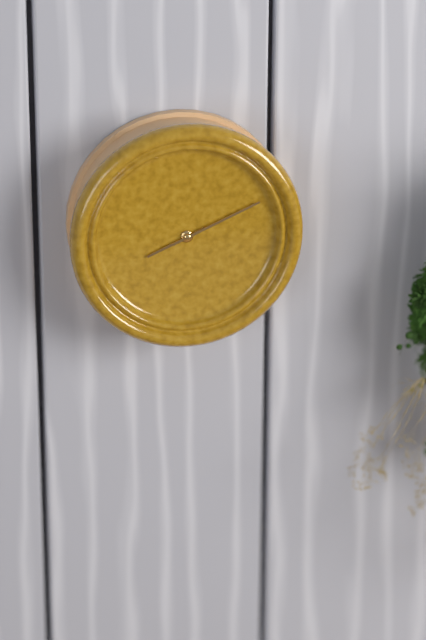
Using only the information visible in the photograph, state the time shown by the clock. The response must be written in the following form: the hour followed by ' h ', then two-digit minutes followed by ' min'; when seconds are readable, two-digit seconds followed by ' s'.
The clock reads 8 h 11 min
